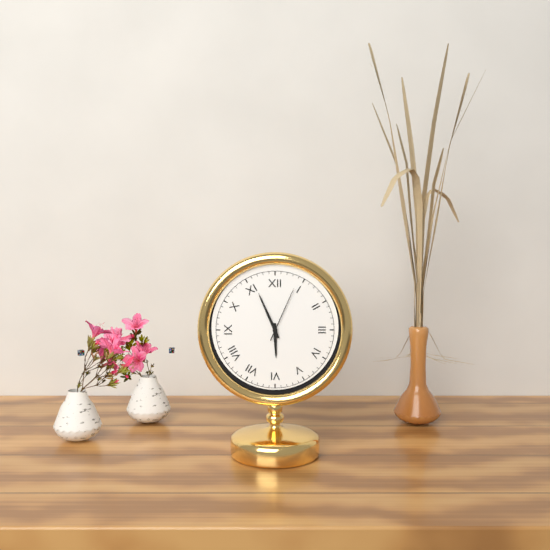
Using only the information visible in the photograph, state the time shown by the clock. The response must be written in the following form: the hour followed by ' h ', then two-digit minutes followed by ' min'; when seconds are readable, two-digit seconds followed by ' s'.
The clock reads 5 h 56 min 04 s
